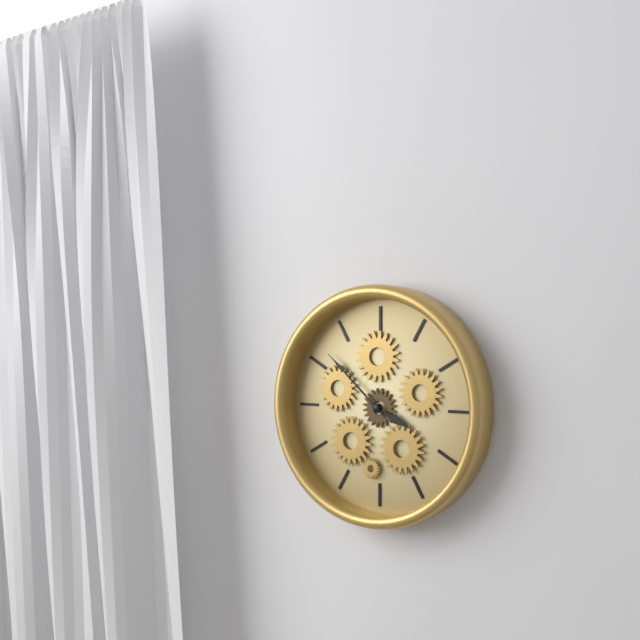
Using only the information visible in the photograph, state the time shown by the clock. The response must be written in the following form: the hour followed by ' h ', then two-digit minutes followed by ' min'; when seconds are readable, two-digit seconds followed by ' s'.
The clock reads 3 h 52 min
